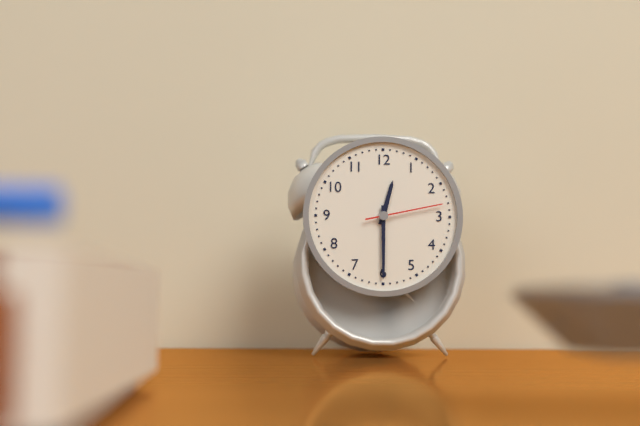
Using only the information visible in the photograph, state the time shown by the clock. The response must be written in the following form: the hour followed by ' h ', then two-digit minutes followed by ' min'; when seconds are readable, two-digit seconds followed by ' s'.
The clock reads 12 h 30 min 13 s
